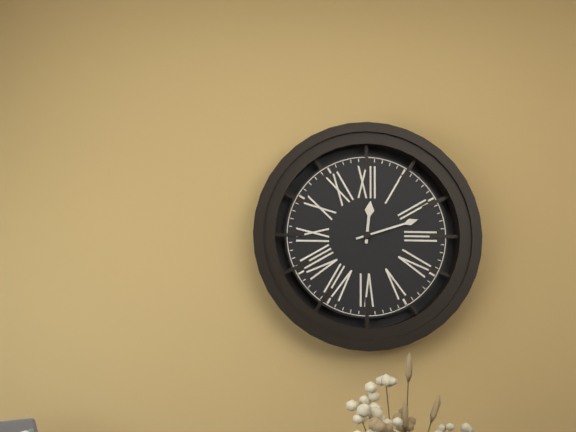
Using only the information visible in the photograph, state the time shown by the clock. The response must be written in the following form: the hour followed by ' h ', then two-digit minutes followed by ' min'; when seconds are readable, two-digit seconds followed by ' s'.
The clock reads 12 h 12 min
